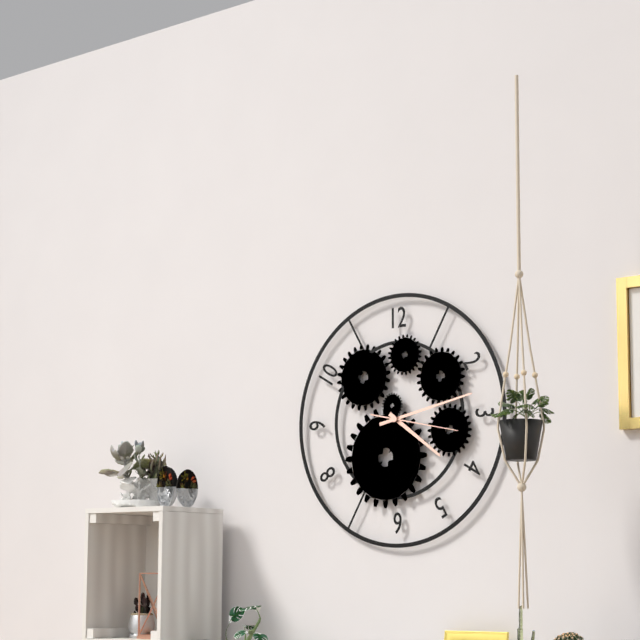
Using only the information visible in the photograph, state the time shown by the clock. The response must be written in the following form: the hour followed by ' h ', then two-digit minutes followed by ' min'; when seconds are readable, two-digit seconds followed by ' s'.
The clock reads 4 h 13 min 17 s
